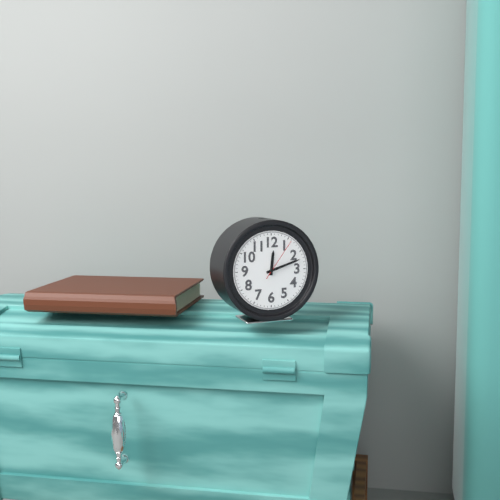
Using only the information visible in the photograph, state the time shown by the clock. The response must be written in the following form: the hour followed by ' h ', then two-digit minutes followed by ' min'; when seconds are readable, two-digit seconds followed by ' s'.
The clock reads 12 h 12 min
